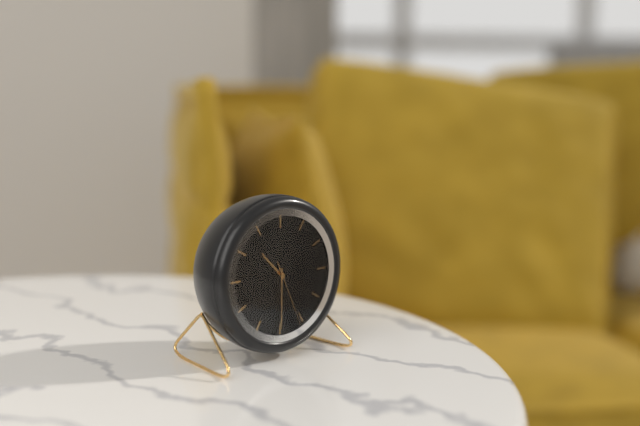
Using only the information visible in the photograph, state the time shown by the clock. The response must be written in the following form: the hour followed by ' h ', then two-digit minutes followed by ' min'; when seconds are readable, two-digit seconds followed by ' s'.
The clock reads 10 h 30 min 26 s
